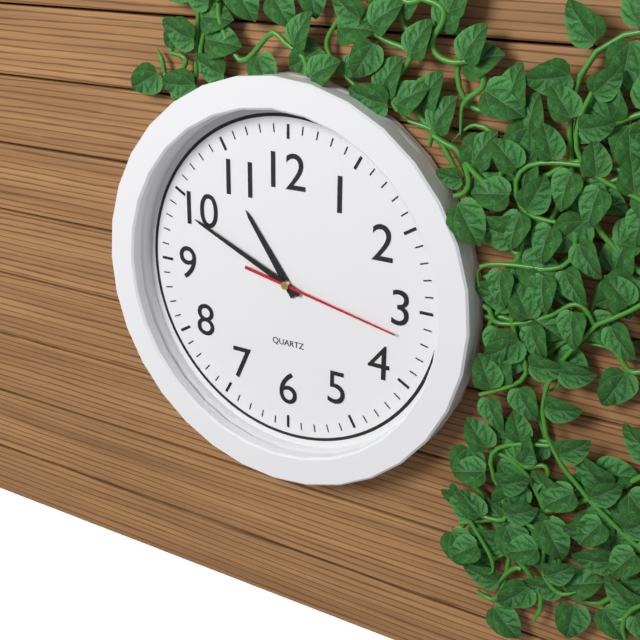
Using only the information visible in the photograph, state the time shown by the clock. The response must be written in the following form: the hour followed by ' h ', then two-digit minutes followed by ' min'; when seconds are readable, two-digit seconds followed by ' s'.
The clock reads 10 h 49 min 17 s
